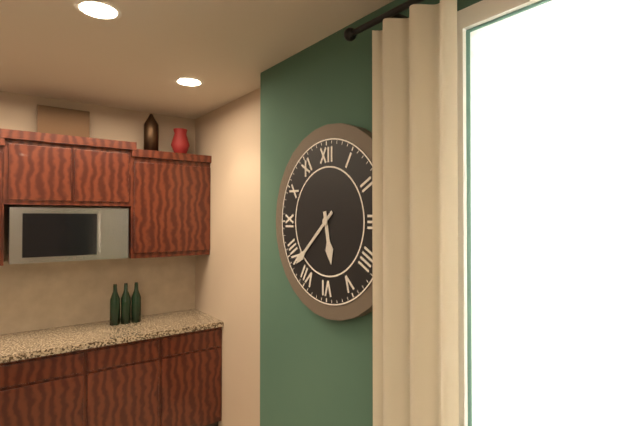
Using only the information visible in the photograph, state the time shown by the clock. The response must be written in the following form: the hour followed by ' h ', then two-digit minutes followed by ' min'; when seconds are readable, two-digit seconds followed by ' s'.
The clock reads 5 h 38 min
